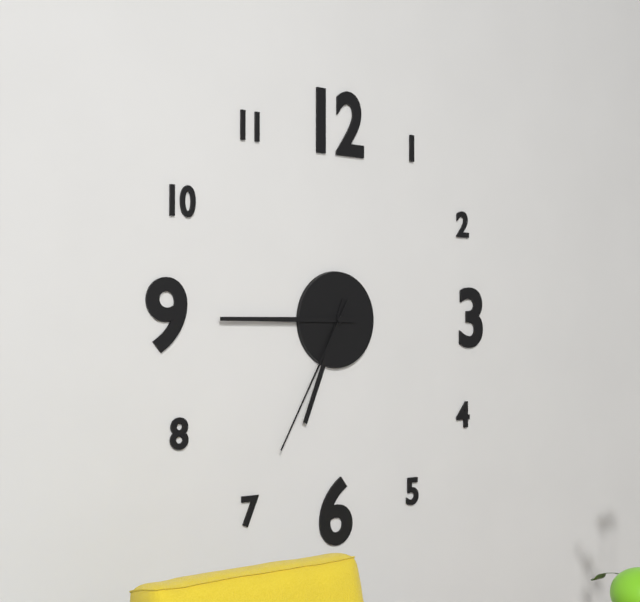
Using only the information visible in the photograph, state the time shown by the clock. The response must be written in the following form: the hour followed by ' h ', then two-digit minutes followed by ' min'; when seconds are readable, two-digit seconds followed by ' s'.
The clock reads 6 h 45 min 35 s
